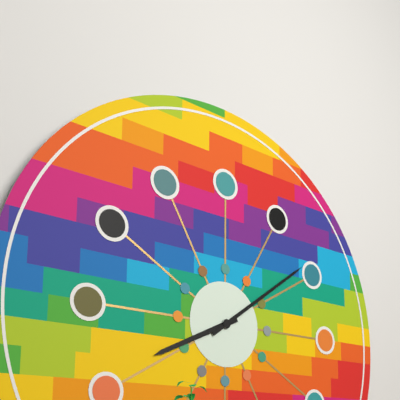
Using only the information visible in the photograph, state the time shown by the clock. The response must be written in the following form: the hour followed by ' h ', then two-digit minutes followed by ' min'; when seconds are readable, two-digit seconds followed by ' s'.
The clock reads 8 h 09 min
